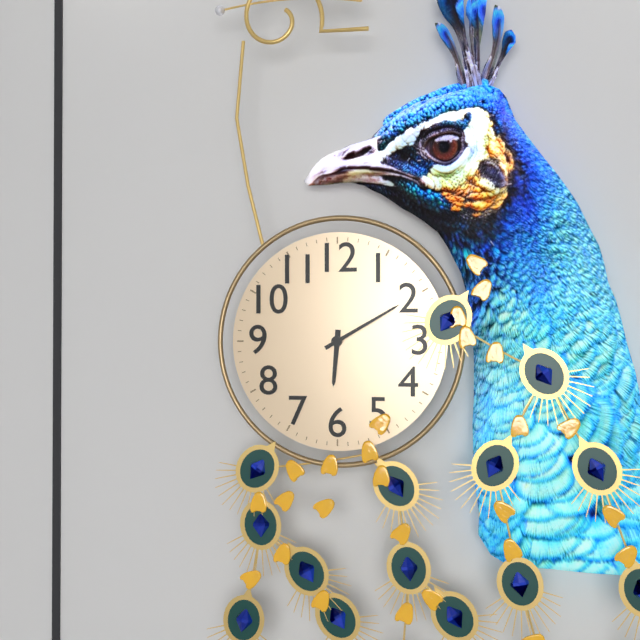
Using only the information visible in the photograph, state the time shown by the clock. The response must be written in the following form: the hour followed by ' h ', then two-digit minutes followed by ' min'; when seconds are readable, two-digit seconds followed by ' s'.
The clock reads 6 h 10 min
